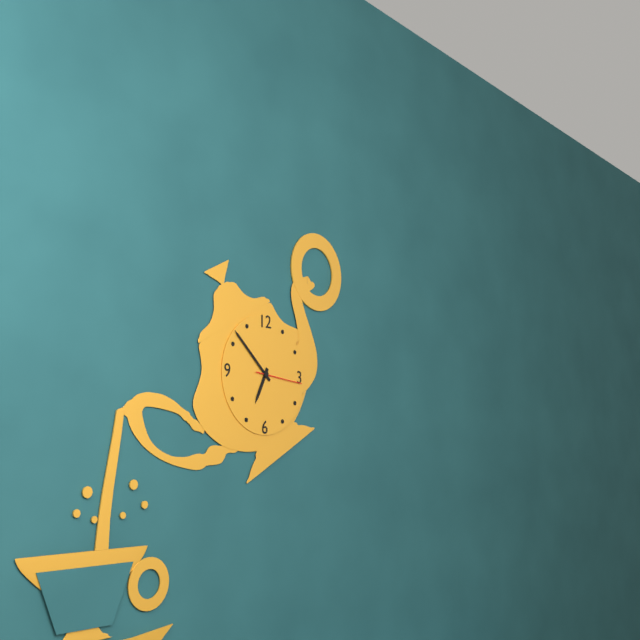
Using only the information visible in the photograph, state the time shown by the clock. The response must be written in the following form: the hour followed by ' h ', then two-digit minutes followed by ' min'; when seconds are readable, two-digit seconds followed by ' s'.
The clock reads 6 h 52 min
